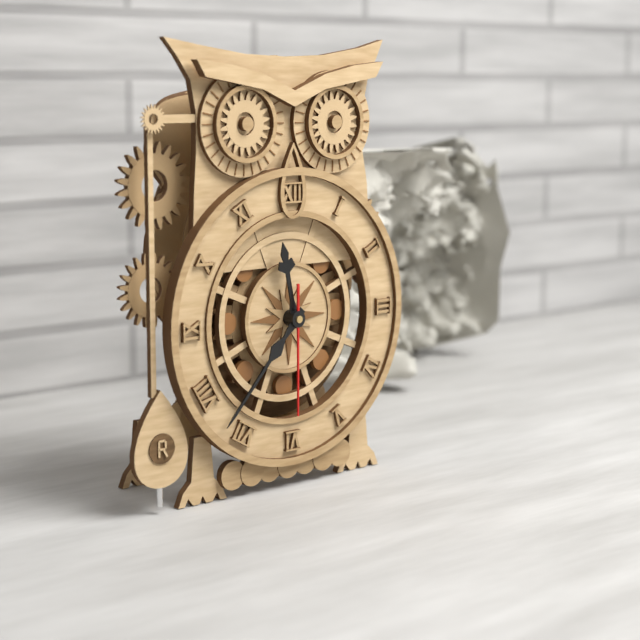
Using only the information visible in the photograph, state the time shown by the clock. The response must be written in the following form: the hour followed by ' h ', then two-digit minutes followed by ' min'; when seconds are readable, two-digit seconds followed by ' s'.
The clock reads 11 h 37 min 30 s
